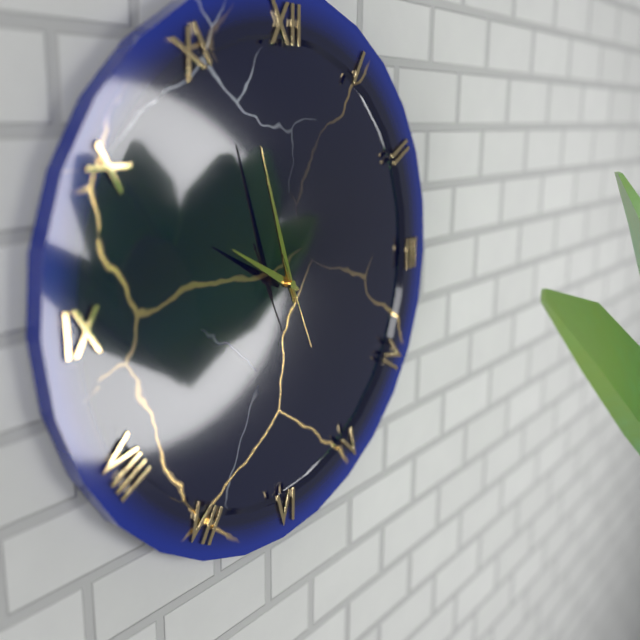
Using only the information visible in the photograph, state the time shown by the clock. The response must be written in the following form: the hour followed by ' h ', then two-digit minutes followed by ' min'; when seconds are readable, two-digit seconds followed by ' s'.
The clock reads 9 h 57 min 26 s
